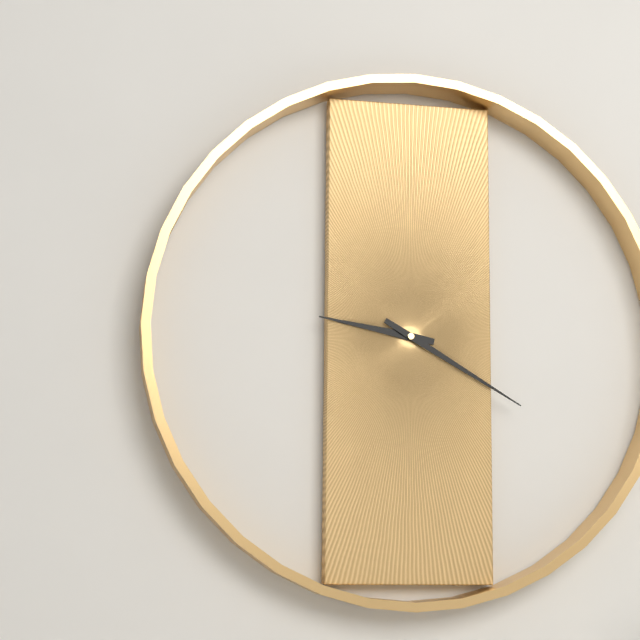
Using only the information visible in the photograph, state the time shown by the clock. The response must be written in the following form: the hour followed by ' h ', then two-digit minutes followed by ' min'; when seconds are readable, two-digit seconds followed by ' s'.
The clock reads 9 h 20 min
